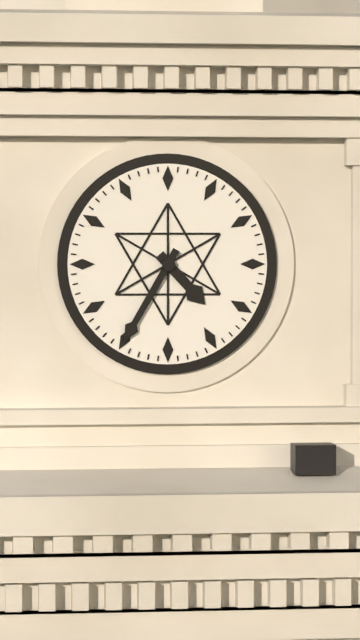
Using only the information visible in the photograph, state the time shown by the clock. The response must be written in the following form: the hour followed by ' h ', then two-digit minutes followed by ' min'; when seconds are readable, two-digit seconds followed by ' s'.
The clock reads 4 h 35 min
